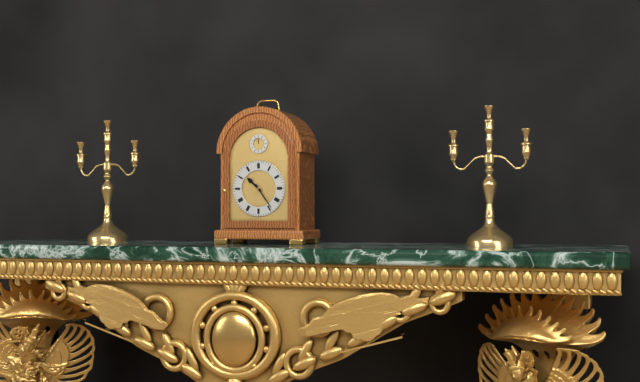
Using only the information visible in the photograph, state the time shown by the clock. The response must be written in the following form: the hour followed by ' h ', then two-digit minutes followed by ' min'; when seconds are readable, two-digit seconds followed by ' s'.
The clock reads 10 h 24 min
